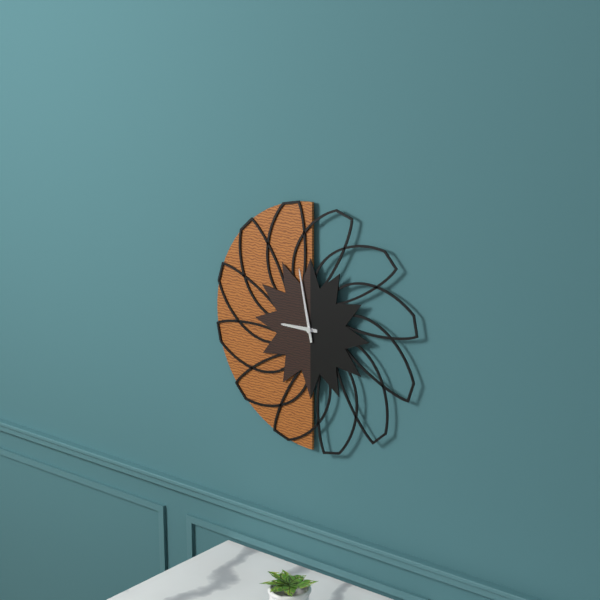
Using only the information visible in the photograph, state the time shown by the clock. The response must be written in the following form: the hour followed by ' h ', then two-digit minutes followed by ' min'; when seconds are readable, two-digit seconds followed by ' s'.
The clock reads 8 h 58 min
